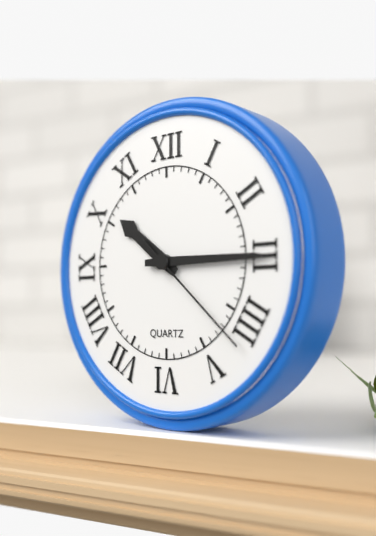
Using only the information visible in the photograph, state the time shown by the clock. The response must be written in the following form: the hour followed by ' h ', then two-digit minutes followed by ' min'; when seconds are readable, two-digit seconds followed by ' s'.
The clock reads 10 h 15 min 22 s
